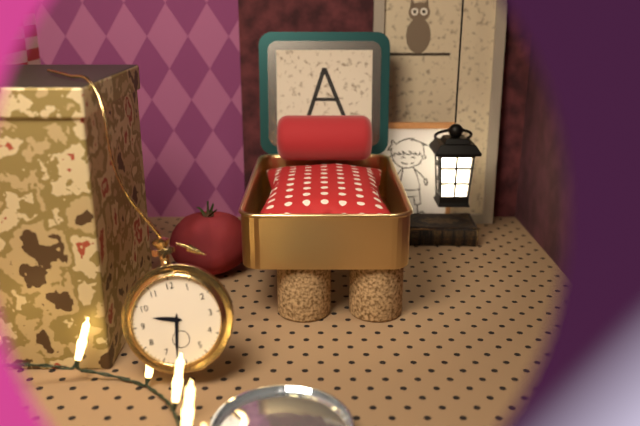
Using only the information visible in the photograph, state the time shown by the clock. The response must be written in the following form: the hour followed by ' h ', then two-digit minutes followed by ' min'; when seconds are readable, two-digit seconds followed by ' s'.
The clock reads 9 h 32 min
